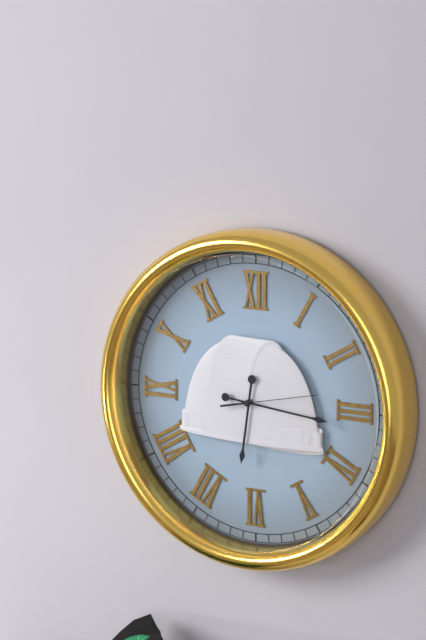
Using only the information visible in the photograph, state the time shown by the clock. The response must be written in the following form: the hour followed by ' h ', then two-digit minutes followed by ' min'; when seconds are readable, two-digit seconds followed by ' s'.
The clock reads 6 h 16 min 13 s
